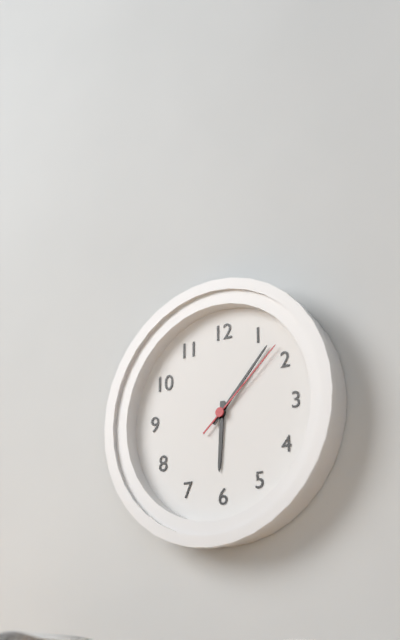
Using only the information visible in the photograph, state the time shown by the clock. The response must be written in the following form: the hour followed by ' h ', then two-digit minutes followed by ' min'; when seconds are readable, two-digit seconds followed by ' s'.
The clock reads 6 h 07 min 08 s
